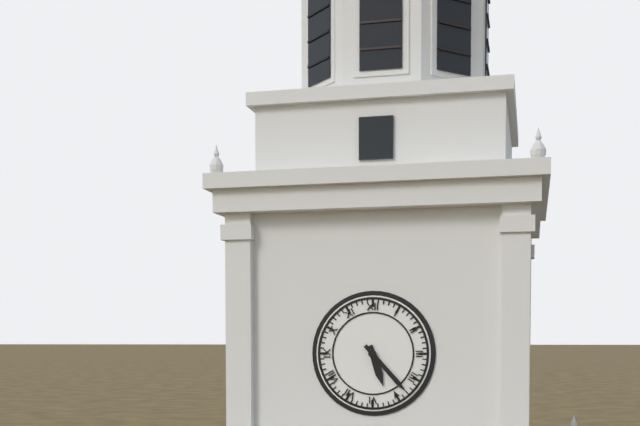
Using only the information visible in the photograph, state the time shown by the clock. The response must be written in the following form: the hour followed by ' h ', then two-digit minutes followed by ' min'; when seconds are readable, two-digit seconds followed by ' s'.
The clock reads 5 h 23 min
